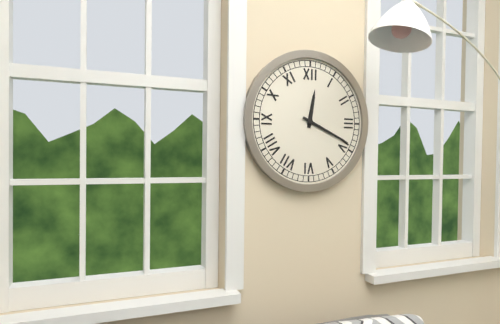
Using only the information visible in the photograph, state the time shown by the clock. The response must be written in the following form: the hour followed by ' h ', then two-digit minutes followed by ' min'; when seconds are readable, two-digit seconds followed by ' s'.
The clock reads 12 h 19 min
